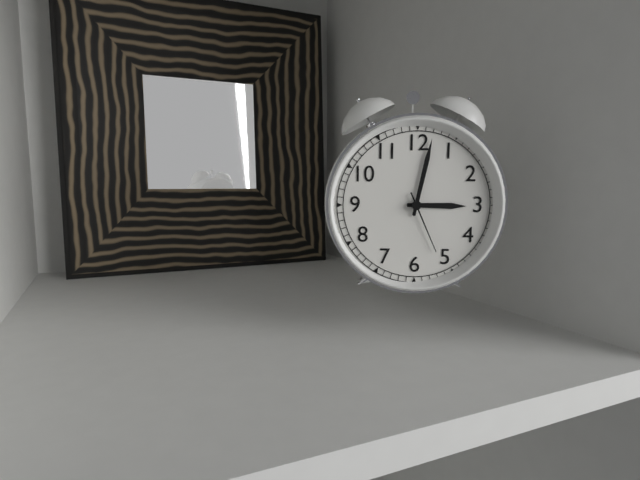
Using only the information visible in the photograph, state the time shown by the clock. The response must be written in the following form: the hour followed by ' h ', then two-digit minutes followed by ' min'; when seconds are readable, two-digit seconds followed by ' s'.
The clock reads 3 h 02 min 26 s
